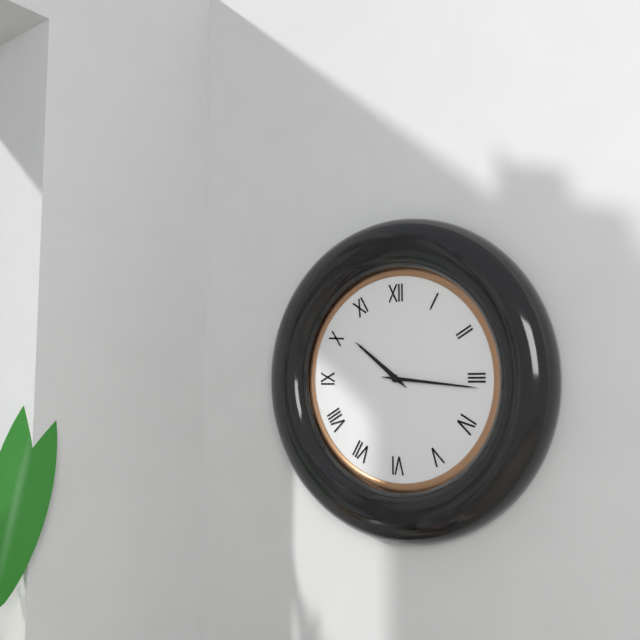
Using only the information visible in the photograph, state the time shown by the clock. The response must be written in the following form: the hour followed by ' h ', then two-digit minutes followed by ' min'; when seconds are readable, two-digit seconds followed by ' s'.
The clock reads 10 h 16 min
